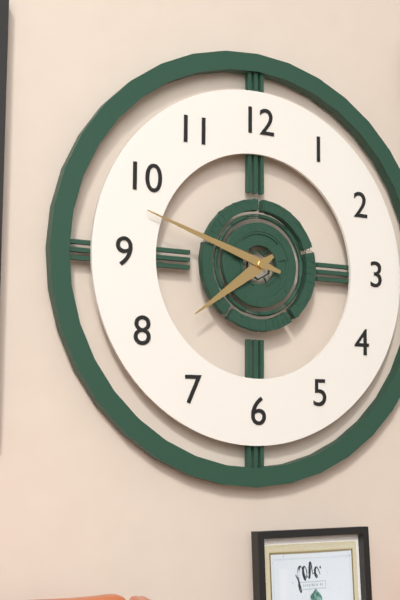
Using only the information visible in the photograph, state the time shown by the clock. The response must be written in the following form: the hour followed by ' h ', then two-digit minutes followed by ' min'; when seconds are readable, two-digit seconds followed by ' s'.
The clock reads 7 h 48 min
